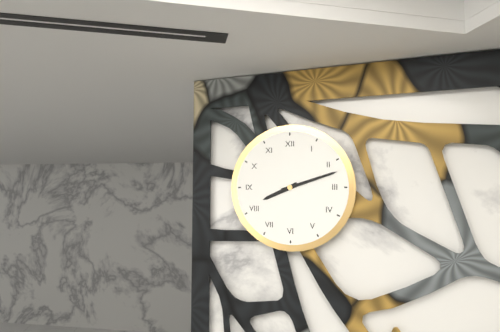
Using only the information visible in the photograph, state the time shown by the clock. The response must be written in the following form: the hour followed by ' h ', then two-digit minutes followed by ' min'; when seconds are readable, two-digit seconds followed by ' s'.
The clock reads 8 h 12 min
